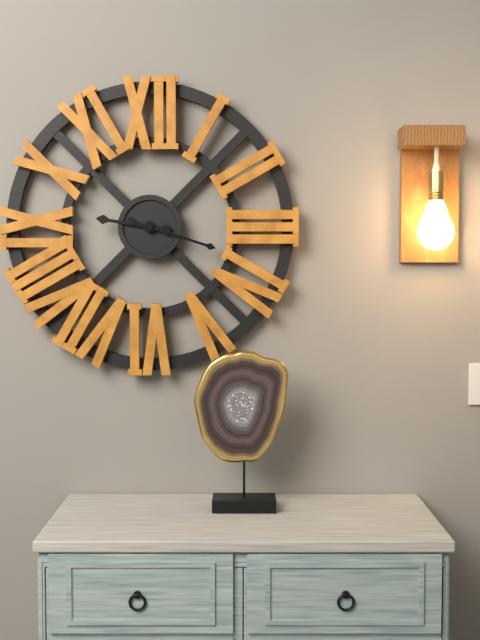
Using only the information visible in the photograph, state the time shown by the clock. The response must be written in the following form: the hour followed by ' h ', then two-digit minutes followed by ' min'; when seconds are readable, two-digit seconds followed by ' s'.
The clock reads 9 h 18 min
